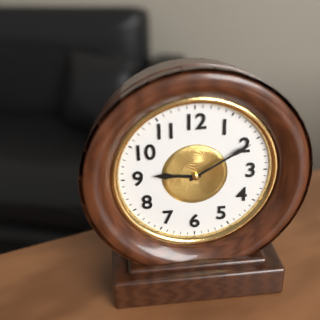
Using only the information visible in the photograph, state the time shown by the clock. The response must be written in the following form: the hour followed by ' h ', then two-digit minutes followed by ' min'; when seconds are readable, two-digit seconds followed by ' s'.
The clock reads 9 h 10 min
